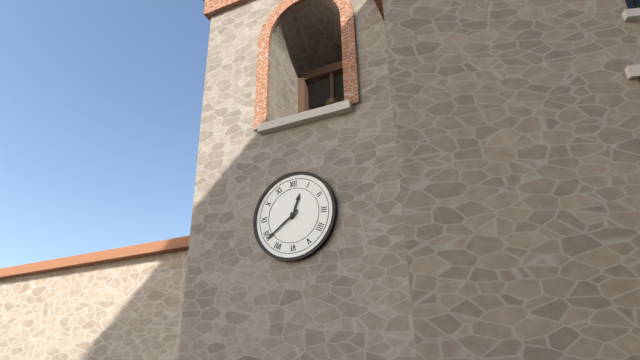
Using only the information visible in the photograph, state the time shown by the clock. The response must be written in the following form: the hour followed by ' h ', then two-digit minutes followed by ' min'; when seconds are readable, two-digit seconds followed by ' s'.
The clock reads 12 h 39 min
